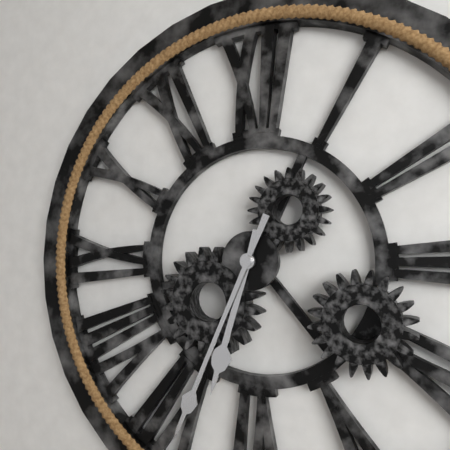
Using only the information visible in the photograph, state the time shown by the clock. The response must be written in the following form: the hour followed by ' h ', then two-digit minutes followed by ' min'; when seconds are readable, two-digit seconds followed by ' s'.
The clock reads 6 h 34 min
